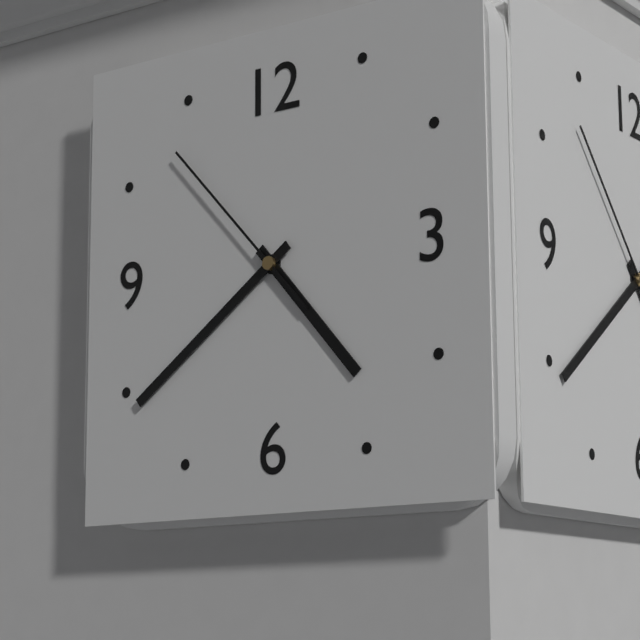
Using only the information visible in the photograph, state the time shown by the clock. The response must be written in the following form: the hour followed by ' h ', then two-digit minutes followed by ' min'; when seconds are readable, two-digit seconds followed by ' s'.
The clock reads 4 h 39 min 53 s
